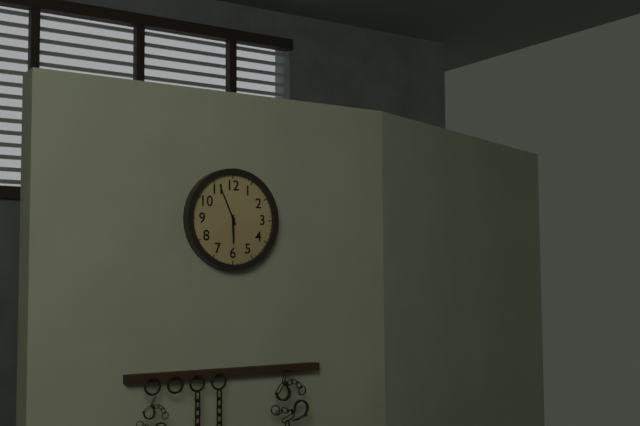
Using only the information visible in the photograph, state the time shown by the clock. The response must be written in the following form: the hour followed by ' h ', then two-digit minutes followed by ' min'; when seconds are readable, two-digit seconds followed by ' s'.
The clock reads 5 h 56 min
